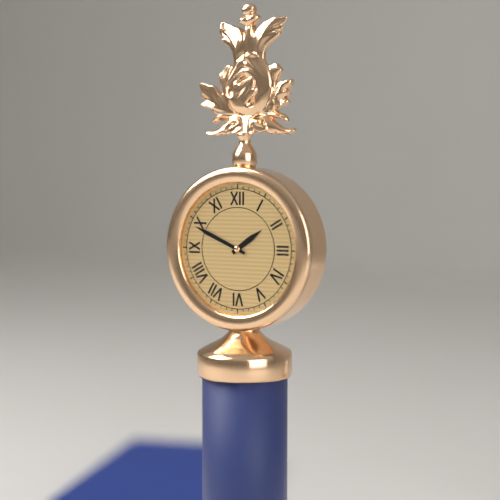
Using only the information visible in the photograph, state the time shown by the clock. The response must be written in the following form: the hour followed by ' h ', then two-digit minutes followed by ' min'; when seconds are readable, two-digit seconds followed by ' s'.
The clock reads 1 h 49 min
